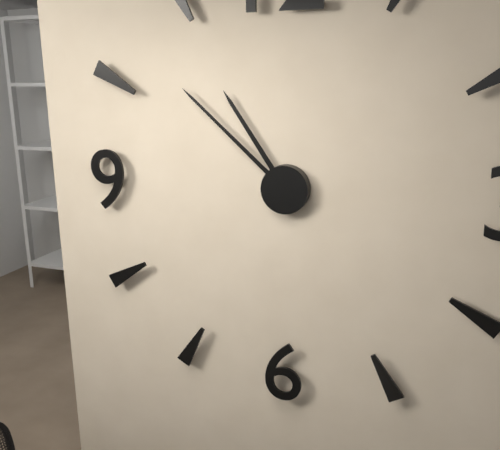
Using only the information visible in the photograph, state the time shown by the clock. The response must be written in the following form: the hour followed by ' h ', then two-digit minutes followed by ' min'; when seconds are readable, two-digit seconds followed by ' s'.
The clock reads 10 h 52 min
